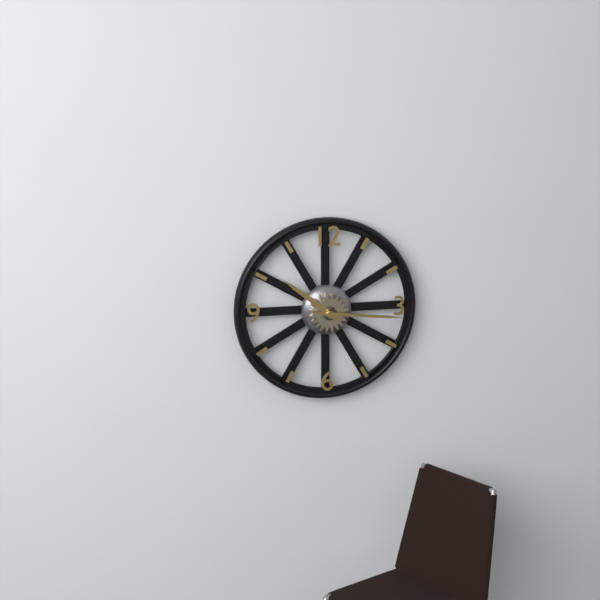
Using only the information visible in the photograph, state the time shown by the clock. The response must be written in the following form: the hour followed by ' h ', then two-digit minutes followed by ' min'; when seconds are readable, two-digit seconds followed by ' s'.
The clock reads 10 h 16 min
